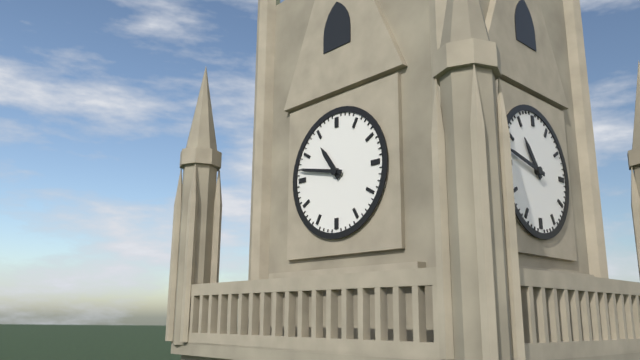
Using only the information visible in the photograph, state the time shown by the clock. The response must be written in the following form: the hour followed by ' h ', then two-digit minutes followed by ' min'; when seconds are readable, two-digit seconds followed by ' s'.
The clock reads 10 h 47 min
